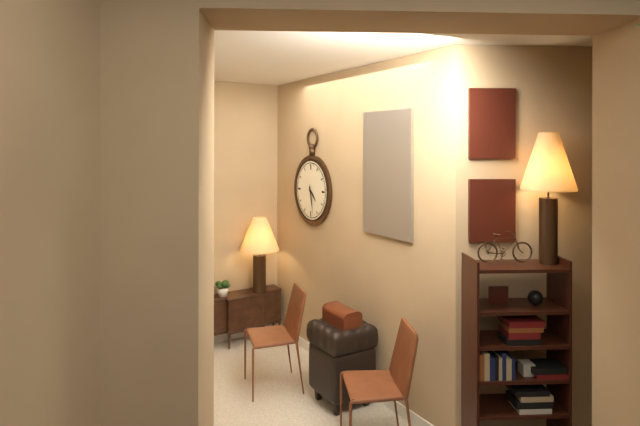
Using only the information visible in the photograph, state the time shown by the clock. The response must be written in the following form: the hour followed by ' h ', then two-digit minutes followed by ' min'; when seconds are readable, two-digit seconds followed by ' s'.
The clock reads 4 h 28 min
